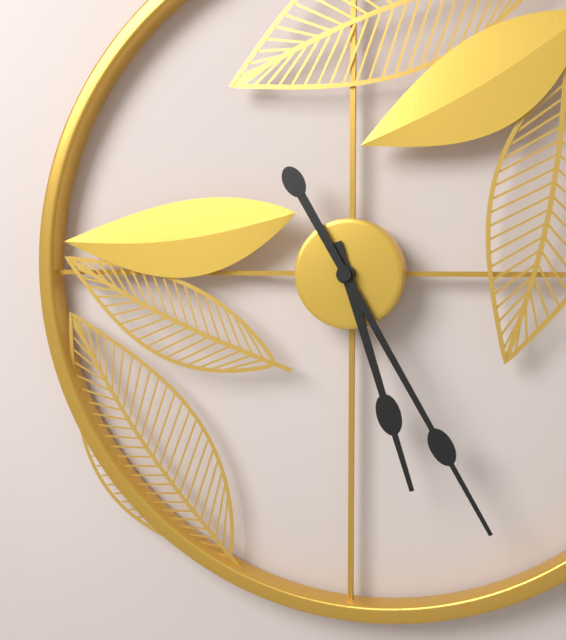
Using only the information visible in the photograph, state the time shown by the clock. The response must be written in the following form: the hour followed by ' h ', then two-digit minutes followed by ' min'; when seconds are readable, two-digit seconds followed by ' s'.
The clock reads 5 h 25 min
